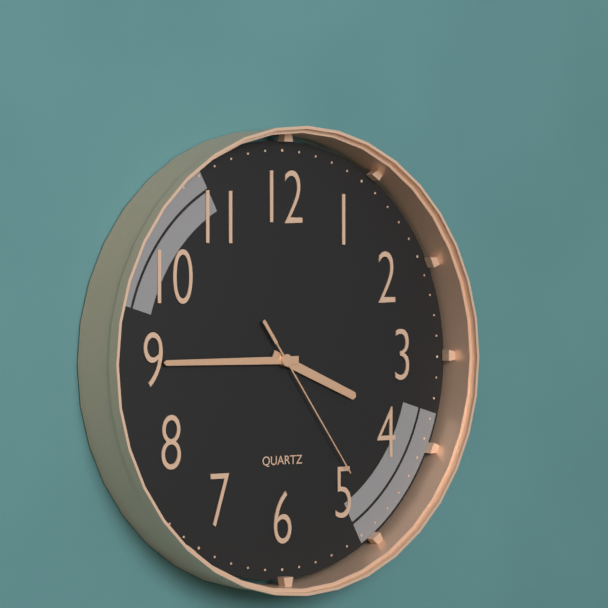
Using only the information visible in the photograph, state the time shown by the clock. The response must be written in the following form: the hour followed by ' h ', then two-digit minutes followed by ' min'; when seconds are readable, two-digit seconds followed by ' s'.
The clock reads 3 h 45 min 24 s
